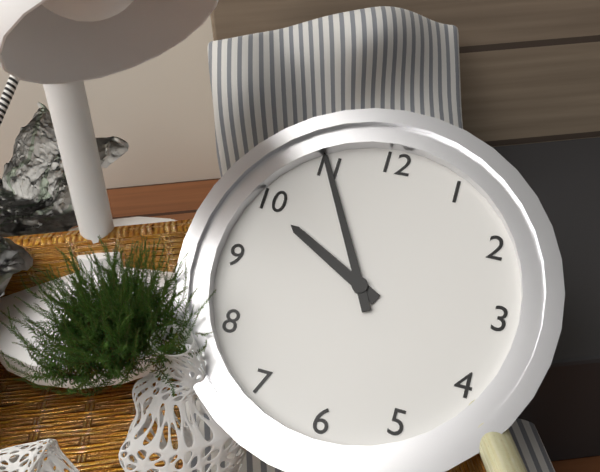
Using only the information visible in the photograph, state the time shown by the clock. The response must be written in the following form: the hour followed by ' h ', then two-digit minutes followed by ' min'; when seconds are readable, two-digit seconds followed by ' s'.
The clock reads 9 h 55 min
